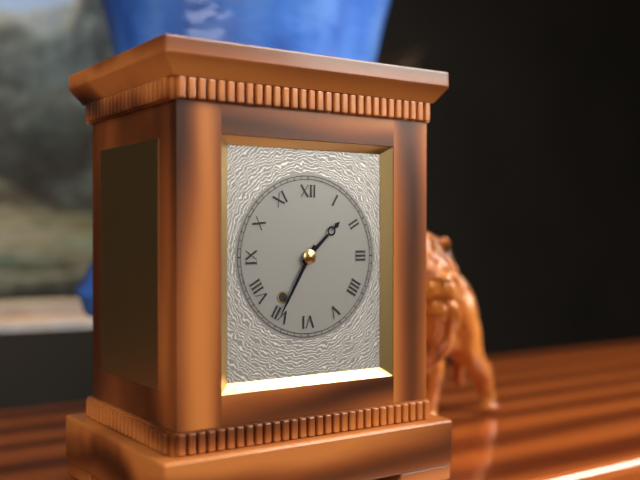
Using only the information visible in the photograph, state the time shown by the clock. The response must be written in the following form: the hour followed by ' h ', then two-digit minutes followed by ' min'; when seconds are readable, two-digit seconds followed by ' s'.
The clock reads 1 h 35 min
